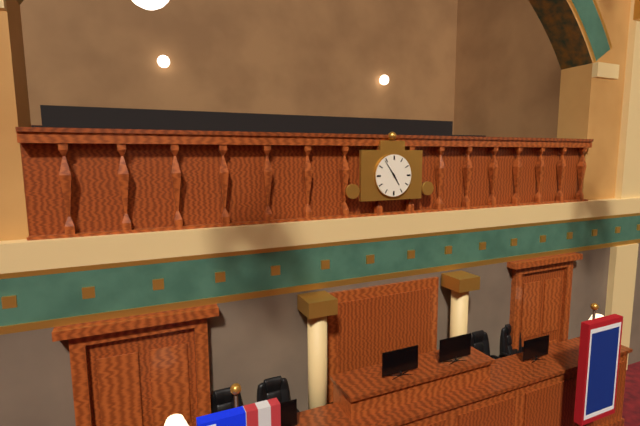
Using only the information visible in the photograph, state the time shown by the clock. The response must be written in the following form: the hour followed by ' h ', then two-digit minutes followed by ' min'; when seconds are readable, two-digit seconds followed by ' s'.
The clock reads 4 h 54 min
